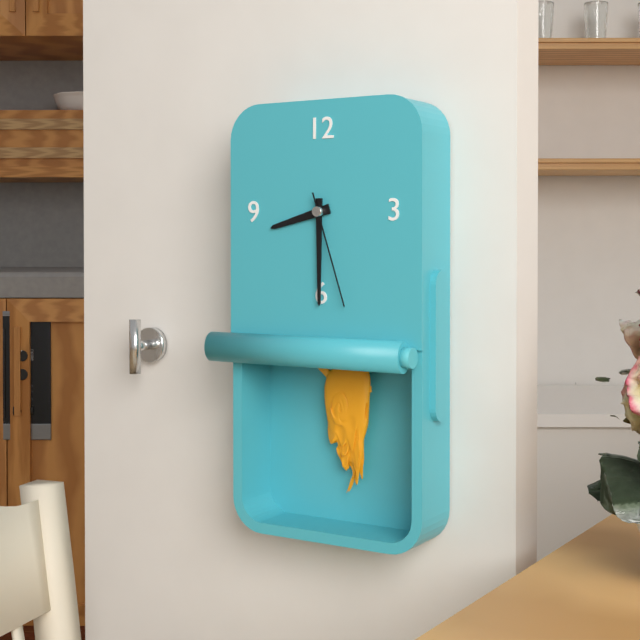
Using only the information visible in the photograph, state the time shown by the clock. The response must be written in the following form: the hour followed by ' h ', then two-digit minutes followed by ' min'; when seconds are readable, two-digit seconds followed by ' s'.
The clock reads 8 h 30 min 27 s
